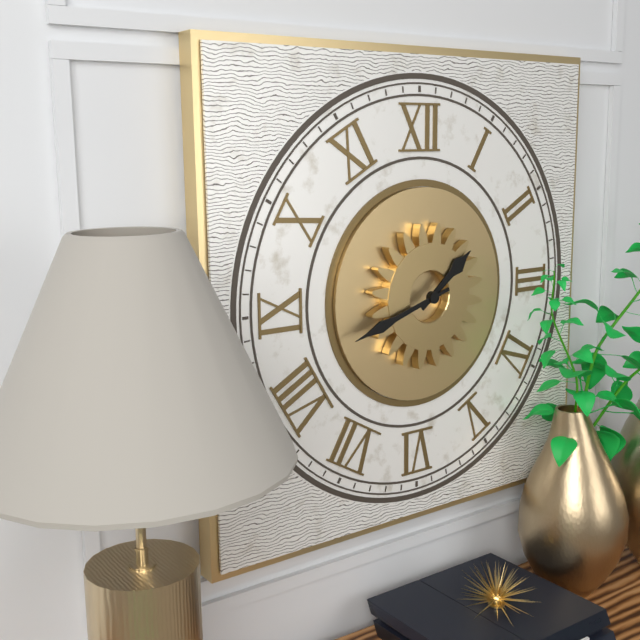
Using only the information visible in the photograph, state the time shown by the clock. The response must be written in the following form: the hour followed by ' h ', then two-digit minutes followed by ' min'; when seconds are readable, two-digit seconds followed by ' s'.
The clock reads 1 h 42 min
